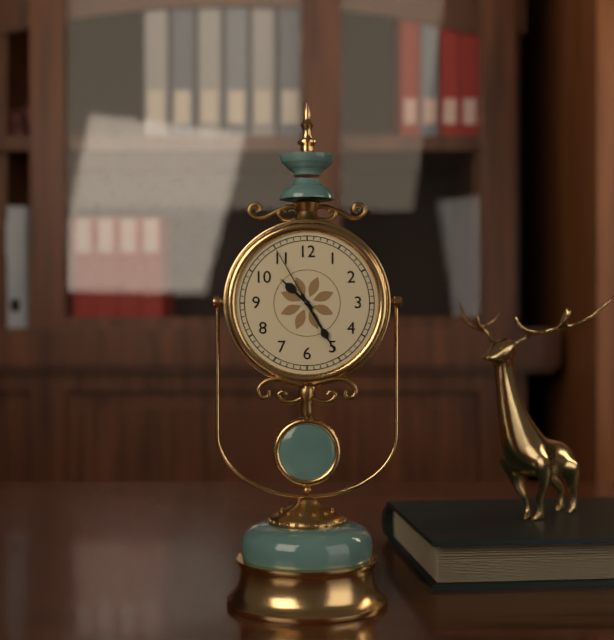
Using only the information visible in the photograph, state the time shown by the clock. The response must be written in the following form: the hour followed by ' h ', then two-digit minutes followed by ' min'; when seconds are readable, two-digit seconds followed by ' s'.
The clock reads 10 h 25 min 55 s
